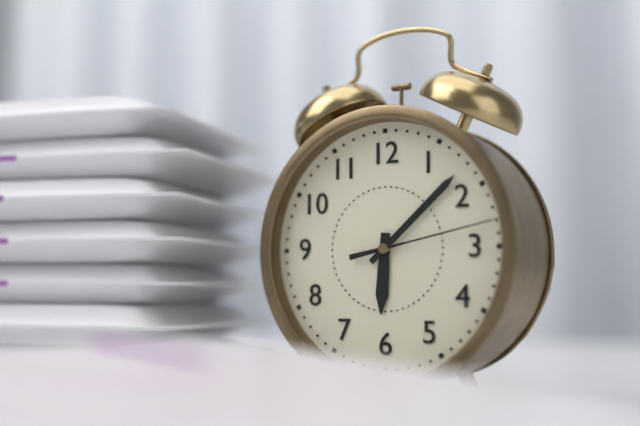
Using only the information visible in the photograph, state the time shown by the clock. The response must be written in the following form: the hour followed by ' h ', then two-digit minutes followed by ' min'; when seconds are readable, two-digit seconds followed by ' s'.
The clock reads 6 h 08 min 13 s
